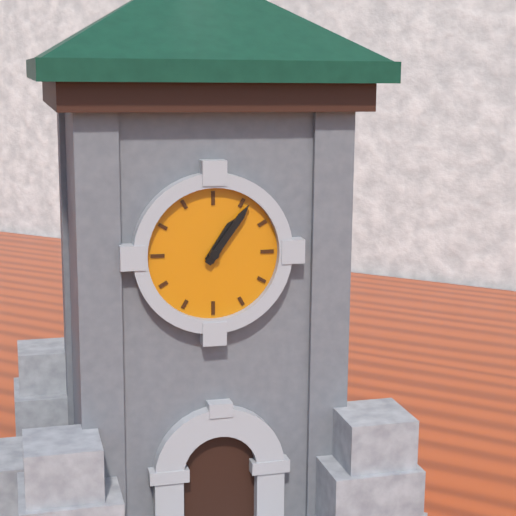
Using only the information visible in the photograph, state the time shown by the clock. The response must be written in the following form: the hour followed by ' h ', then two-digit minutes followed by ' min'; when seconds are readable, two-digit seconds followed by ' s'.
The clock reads 1 h 06 min
